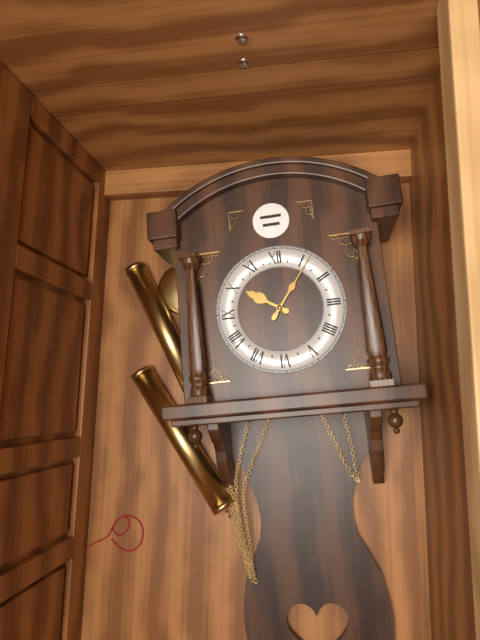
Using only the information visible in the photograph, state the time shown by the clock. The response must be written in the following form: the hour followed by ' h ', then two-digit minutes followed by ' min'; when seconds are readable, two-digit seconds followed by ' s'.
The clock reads 10 h 06 min
